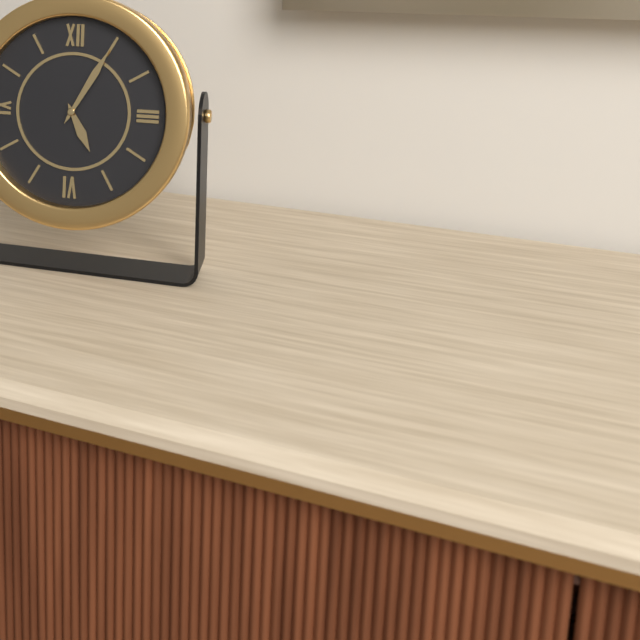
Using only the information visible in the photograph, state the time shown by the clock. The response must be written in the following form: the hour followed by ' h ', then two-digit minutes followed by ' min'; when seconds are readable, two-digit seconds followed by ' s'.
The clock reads 5 h 05 min
